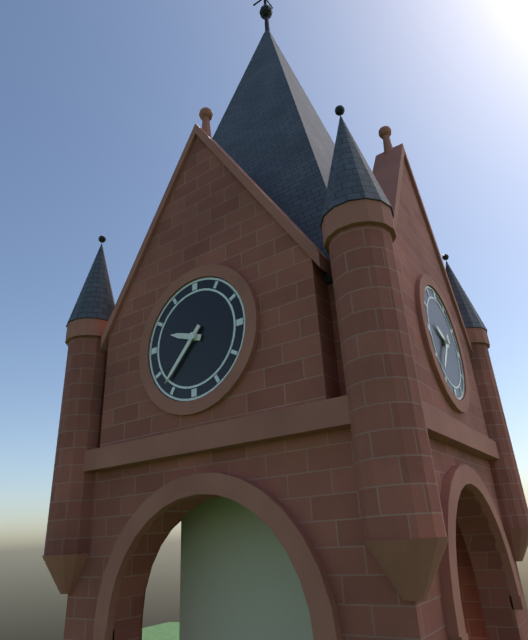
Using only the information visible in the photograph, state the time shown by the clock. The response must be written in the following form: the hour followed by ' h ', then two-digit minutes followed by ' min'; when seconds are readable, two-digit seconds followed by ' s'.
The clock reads 9 h 37 min
